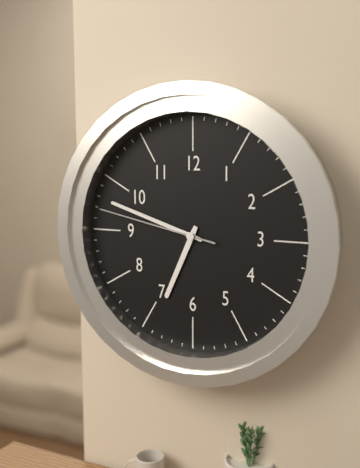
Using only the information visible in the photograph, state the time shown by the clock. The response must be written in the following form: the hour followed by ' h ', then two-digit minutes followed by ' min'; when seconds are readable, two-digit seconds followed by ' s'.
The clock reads 6 h 48 min 47 s
